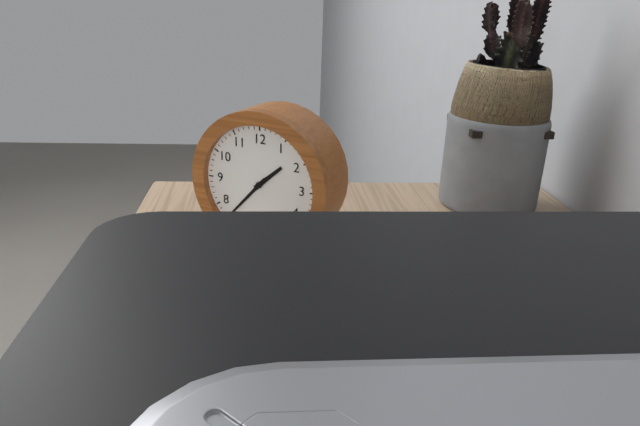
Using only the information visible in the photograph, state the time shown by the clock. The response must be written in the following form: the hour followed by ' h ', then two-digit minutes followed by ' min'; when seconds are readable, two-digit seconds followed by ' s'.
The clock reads 1 h 37 min
